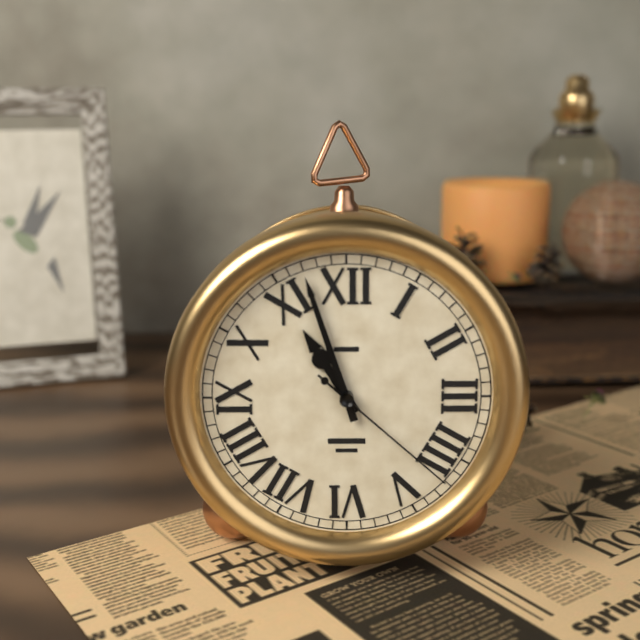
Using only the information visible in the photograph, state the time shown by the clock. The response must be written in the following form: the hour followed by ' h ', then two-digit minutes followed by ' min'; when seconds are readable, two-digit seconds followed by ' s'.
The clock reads 10 h 57 min 22 s
